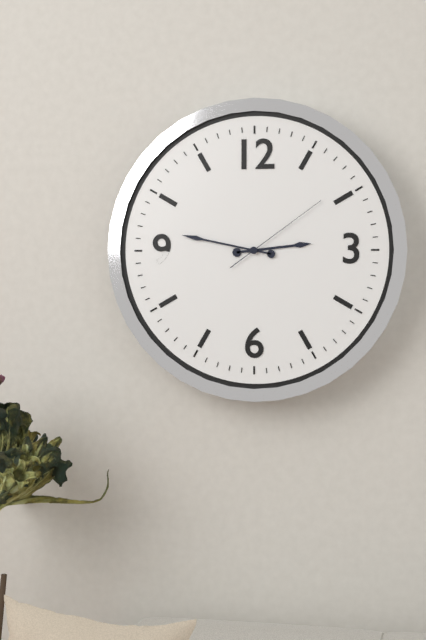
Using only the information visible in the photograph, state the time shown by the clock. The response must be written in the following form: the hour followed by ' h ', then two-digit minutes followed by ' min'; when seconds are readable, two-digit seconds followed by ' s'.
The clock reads 2 h 47 min 09 s
